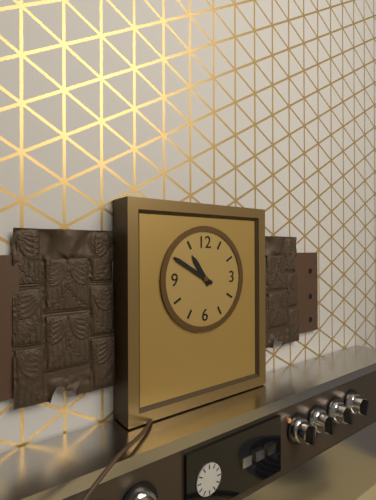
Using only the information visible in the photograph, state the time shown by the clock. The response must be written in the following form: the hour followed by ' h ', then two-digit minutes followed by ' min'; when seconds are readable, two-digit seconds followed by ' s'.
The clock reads 10 h 50 min
